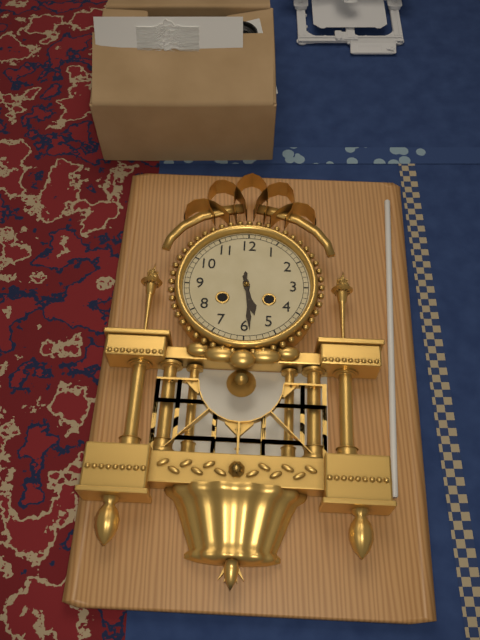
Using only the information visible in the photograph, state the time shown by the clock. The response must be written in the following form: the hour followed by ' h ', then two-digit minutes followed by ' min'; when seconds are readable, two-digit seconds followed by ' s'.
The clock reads 5 h 29 min
